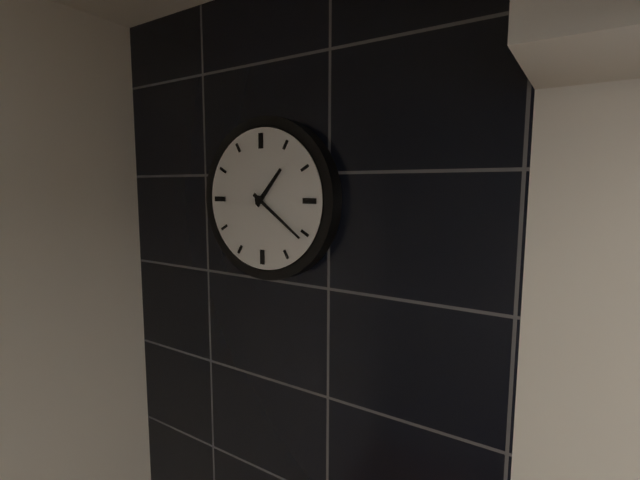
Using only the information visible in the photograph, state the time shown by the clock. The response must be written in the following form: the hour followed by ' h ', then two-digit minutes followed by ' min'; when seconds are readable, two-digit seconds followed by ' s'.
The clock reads 1 h 21 min
